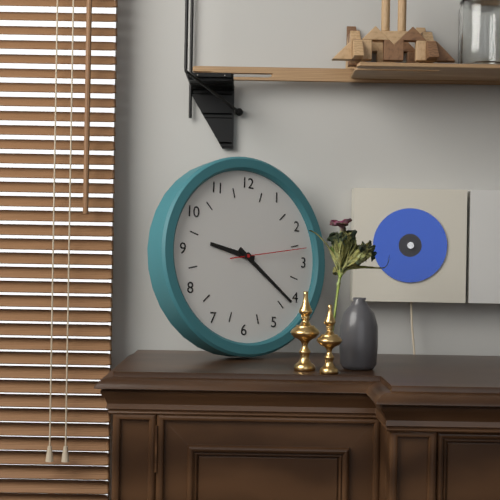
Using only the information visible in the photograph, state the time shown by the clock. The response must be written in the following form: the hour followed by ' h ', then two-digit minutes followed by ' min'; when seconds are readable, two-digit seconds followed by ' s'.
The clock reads 9 h 21 min 13 s
